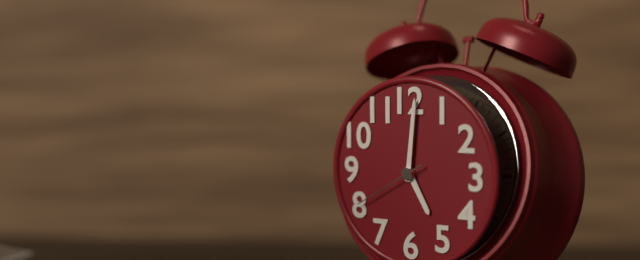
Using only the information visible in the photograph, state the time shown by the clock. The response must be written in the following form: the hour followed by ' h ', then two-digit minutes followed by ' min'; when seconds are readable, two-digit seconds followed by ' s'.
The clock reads 5 h 01 min 40 s
